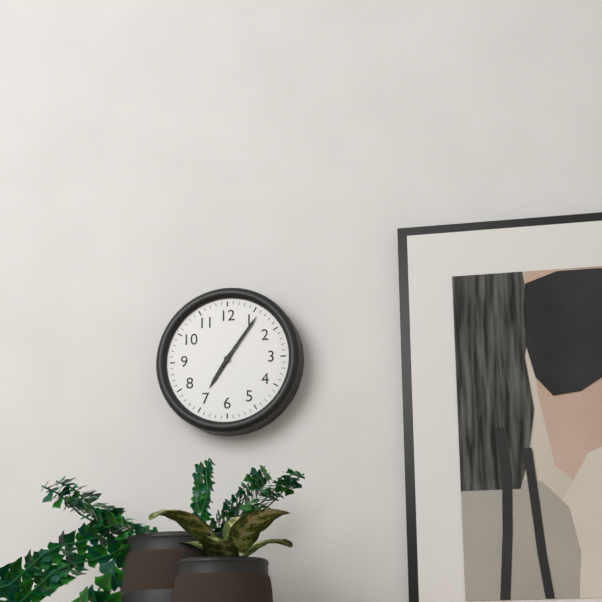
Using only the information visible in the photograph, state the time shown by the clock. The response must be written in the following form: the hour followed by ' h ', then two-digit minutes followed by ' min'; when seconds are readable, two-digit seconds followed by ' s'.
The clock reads 7 h 06 min
